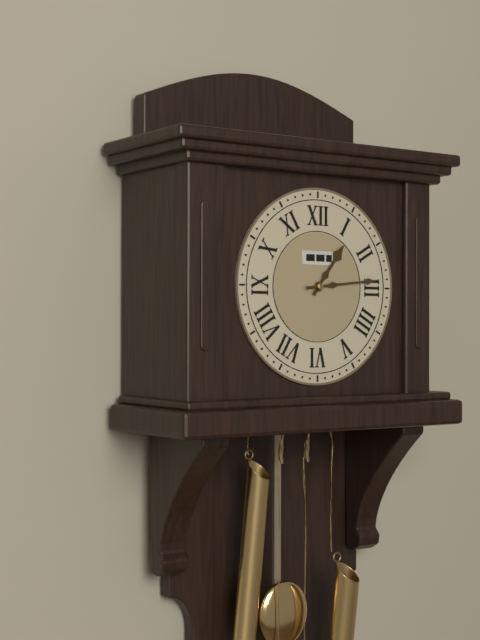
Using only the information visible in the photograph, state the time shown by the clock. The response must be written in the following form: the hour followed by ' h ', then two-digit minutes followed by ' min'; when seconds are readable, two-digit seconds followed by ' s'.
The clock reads 1 h 14 min
